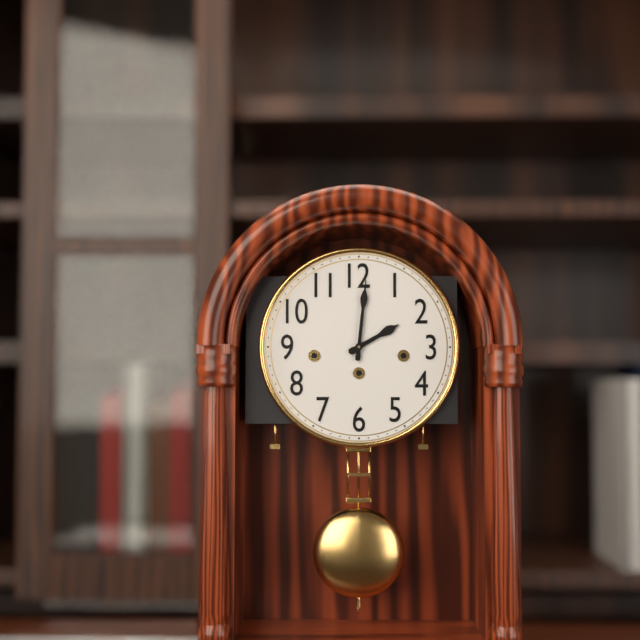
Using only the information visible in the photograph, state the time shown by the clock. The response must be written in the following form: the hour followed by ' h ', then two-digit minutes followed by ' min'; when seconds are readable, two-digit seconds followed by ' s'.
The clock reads 2 h 01 min
